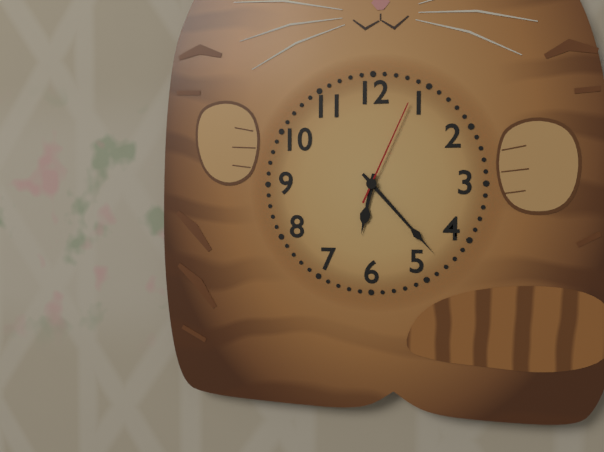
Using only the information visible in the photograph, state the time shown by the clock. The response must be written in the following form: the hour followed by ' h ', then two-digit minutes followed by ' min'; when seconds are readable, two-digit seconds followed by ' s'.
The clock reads 6 h 23 min 04 s
